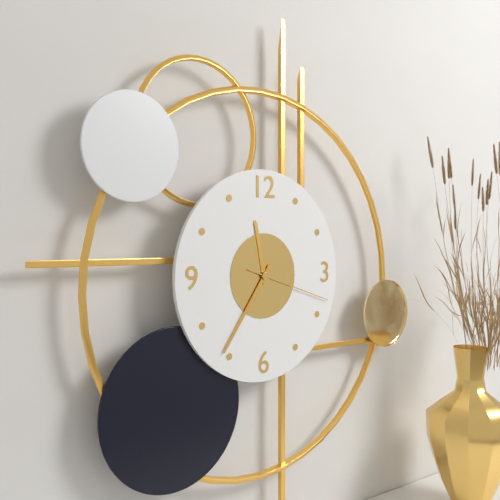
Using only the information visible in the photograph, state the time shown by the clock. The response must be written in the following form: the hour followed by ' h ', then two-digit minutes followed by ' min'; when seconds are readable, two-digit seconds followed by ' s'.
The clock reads 11 h 36 min 18 s
